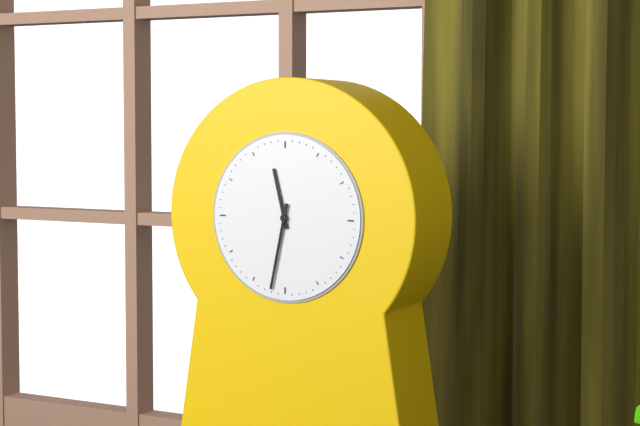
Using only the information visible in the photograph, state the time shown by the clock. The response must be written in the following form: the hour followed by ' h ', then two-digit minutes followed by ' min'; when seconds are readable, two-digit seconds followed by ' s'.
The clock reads 11 h 32 min
